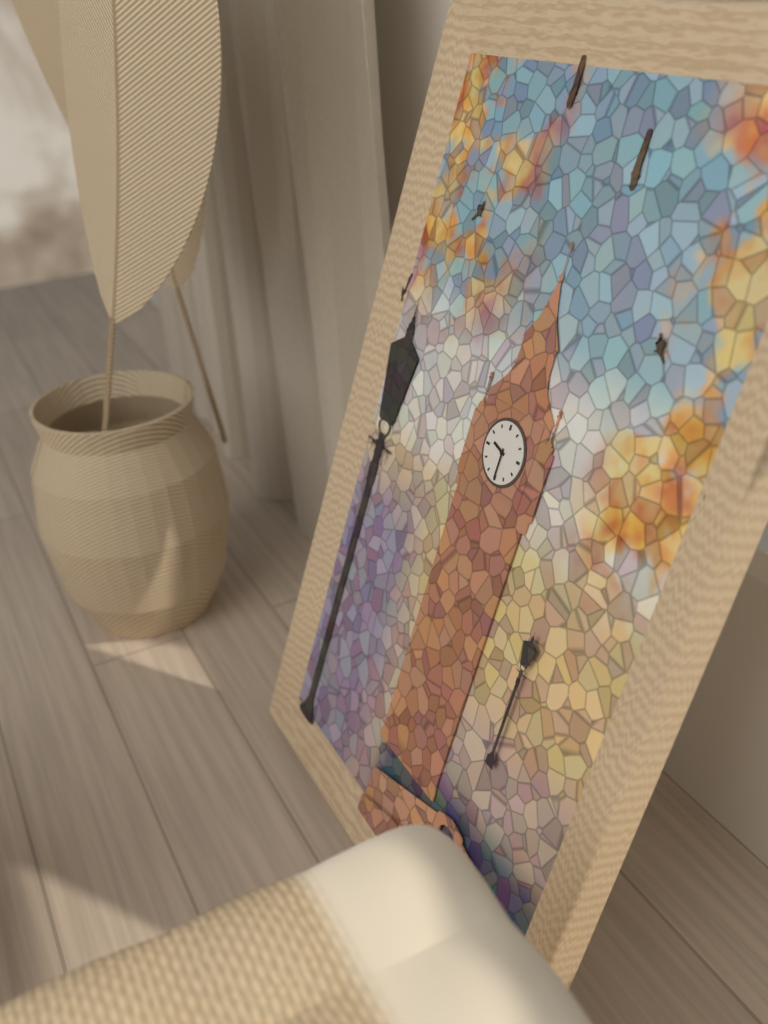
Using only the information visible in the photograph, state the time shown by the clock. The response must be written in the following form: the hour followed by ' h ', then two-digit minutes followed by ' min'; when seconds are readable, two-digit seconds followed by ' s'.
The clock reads 9 h 30 min
